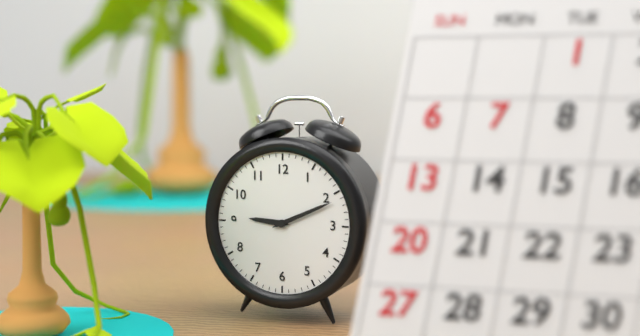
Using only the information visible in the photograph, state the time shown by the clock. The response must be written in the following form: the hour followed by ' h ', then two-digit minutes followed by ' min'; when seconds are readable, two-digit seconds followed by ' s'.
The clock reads 9 h 11 min
